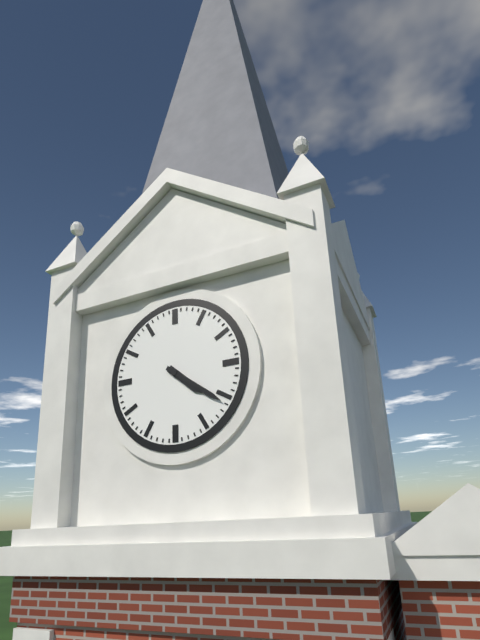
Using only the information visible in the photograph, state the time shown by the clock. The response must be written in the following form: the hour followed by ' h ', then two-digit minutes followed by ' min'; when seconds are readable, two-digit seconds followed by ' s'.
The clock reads 4 h 21 min
